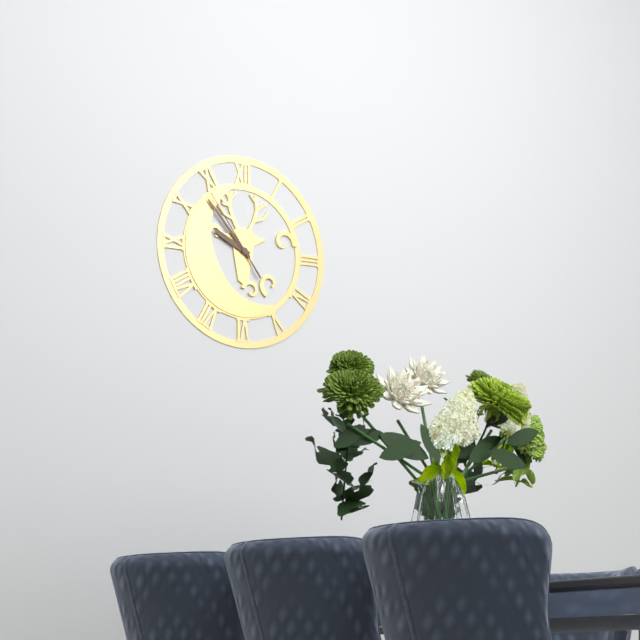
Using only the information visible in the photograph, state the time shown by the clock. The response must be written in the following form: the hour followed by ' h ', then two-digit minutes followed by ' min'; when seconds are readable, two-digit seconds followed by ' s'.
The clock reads 9 h 53 min 54 s
